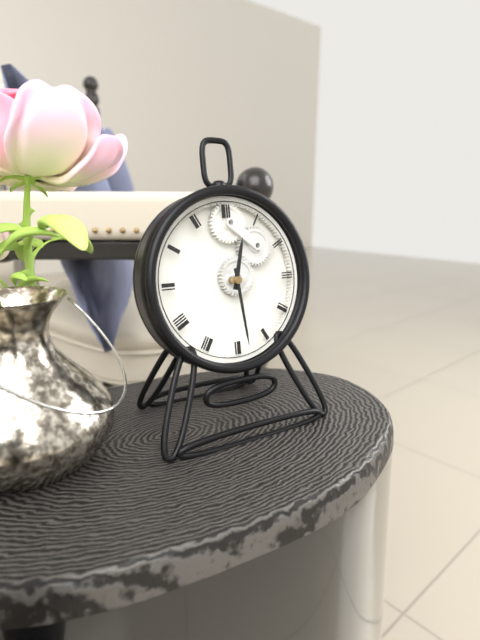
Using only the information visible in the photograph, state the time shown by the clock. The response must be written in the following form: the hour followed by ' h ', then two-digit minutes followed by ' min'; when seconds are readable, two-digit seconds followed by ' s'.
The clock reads 12 h 29 min
